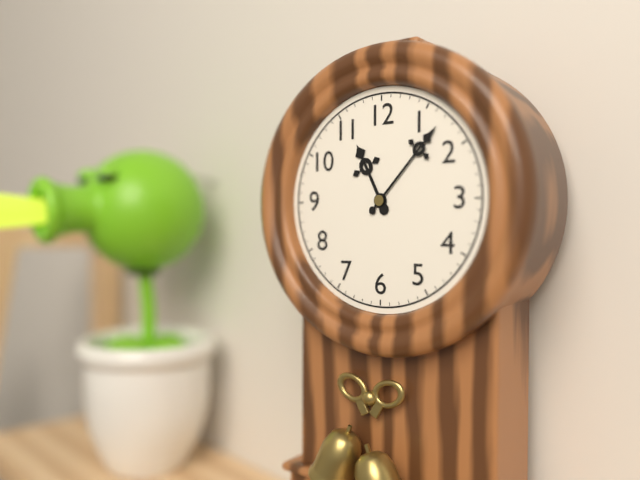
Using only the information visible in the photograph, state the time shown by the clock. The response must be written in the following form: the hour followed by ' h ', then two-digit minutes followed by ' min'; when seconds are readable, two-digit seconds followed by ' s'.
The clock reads 11 h 07 min
